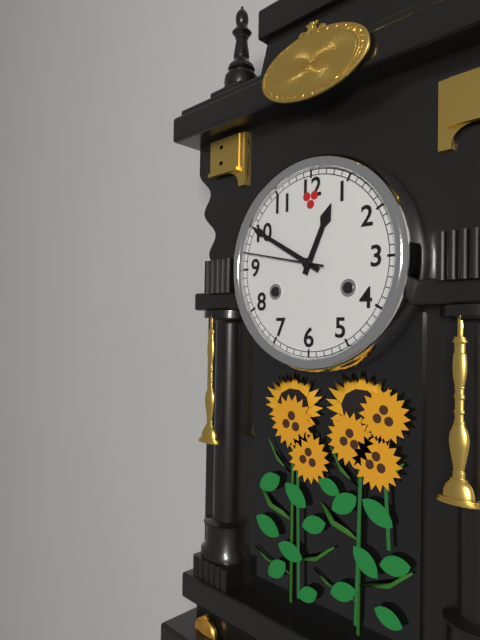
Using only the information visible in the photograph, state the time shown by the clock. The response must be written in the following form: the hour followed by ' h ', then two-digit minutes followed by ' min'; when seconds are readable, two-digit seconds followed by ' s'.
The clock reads 12 h 50 min 47 s
